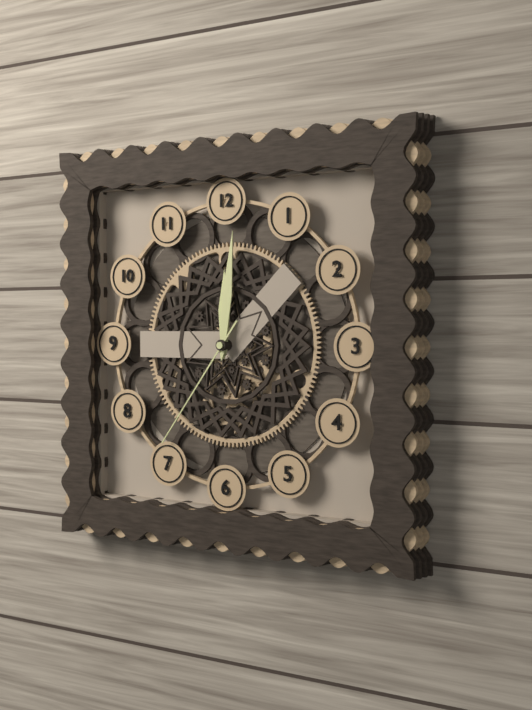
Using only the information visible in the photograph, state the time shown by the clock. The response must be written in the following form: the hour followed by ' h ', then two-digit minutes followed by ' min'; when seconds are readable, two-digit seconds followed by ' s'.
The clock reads 12 h 01 min 36 s
